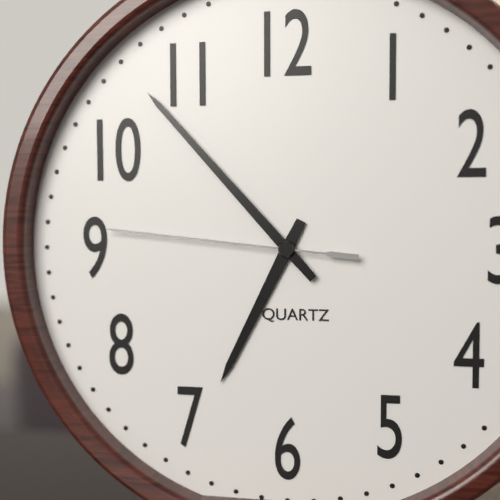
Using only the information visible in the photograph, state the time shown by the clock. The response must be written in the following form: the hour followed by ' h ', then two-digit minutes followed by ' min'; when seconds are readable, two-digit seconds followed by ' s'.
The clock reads 6 h 53 min 46 s
